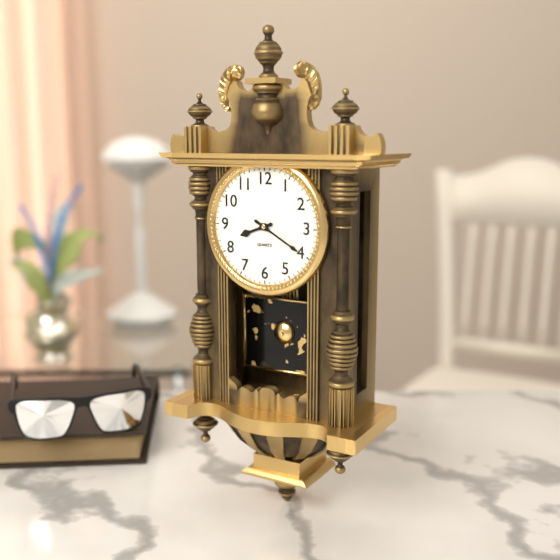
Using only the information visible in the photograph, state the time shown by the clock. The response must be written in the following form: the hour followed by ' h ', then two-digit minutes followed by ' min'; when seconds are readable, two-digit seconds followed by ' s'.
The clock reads 8 h 20 min
